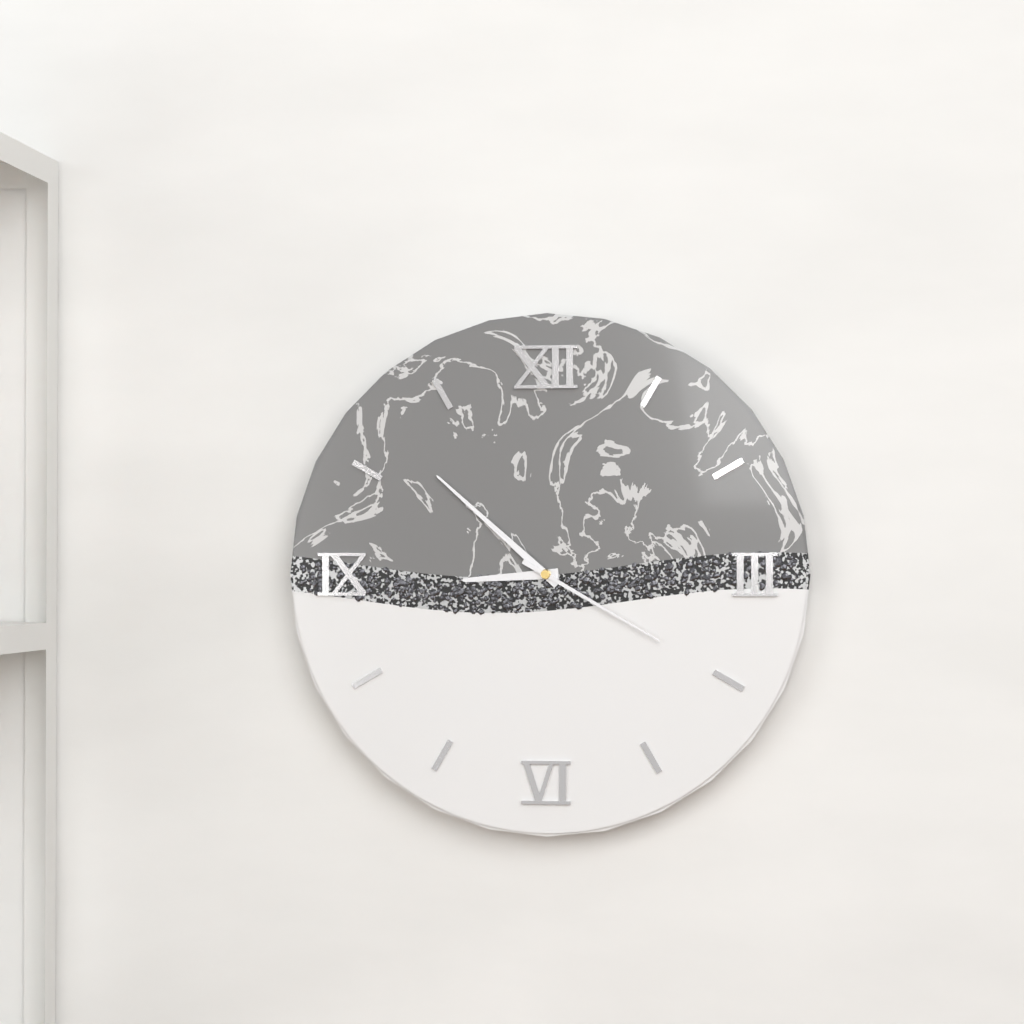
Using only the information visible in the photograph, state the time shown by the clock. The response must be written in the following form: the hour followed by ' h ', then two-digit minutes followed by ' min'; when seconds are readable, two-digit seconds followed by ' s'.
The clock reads 8 h 52 min 20 s
